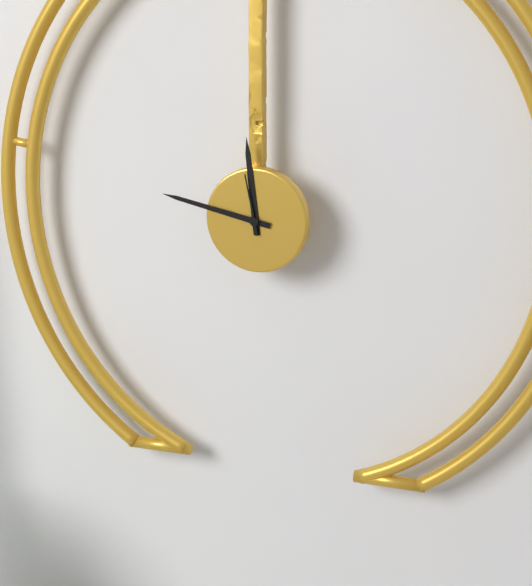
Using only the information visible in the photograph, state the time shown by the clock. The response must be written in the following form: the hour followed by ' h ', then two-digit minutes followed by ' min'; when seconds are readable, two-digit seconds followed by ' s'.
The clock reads 11 h 47 min 58 s
